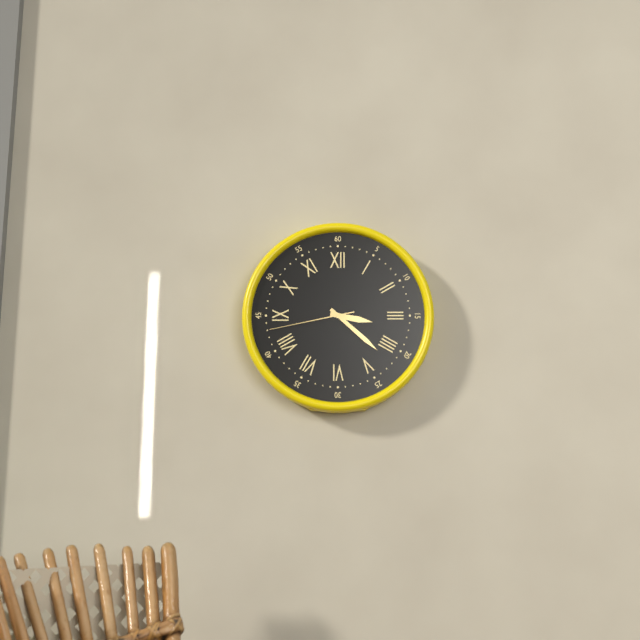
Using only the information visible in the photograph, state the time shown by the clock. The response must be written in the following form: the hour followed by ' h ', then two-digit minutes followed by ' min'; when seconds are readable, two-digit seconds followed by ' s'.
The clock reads 3 h 22 min 43 s
